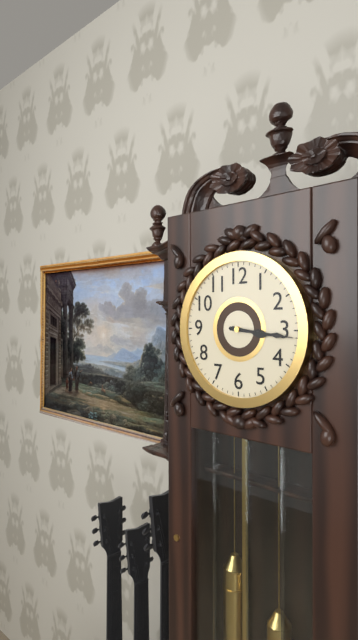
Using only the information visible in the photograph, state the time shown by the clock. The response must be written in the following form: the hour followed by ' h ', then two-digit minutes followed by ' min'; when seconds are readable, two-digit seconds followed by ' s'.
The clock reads 3 h 16 min
